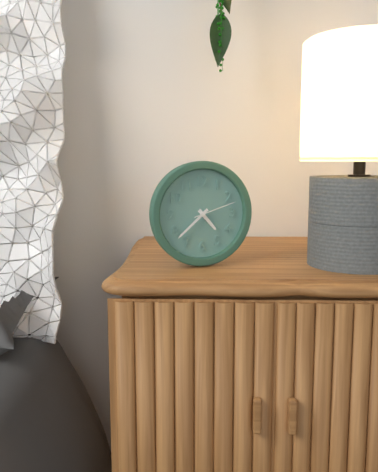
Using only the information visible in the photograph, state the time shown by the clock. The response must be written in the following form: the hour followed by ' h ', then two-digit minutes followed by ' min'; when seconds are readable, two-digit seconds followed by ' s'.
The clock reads 4 h 38 min
